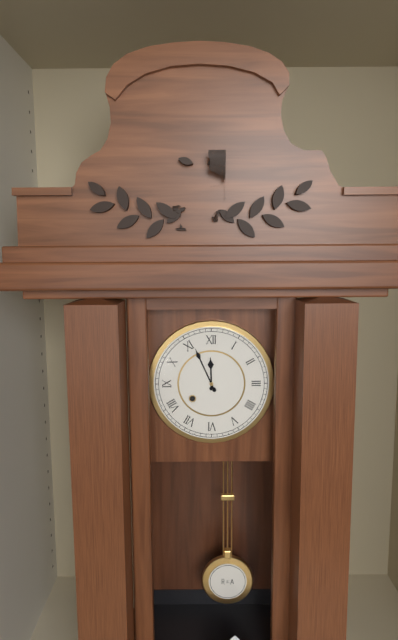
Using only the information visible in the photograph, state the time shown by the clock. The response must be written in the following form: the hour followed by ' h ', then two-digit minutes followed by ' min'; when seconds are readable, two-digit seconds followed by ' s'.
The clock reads 11 h 56 min
